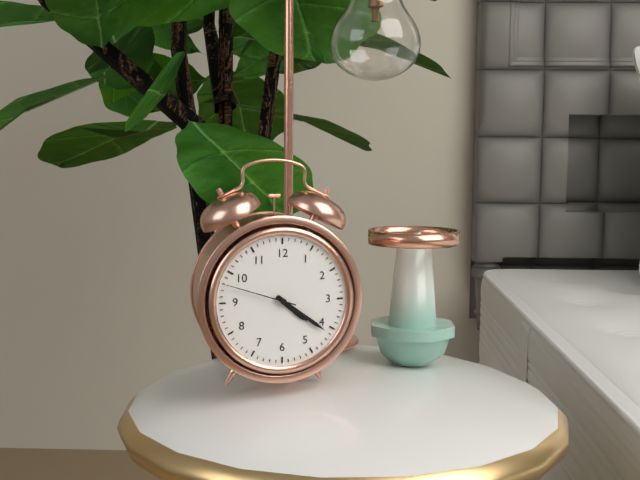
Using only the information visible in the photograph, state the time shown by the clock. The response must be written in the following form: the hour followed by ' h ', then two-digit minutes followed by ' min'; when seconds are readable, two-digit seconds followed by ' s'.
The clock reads 4 h 21 min 48 s
